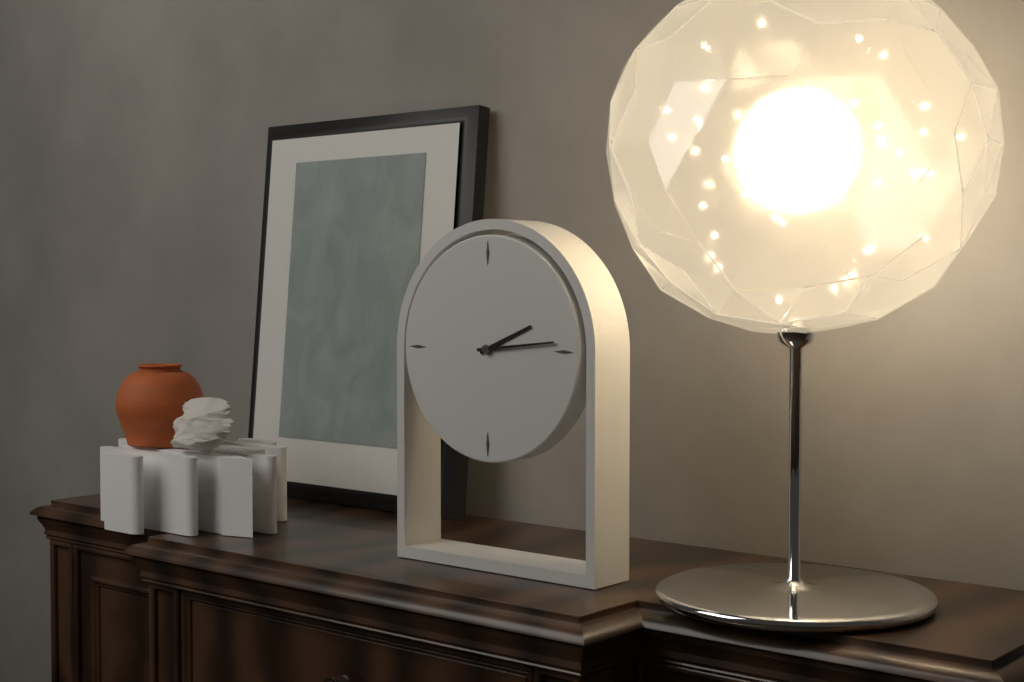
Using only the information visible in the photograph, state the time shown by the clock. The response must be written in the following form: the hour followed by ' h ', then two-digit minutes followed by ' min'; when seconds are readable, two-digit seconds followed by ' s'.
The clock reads 2 h 14 min
